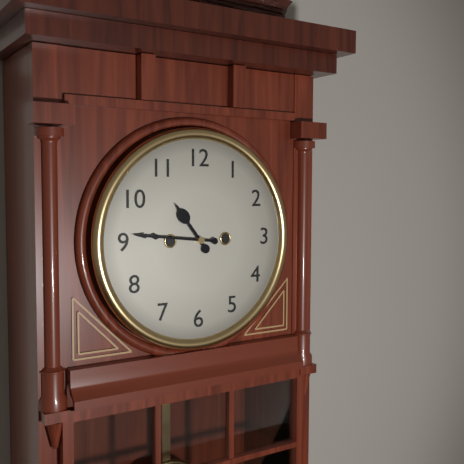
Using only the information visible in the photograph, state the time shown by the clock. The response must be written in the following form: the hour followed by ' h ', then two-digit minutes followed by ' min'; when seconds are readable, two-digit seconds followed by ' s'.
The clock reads 10 h 46 min
